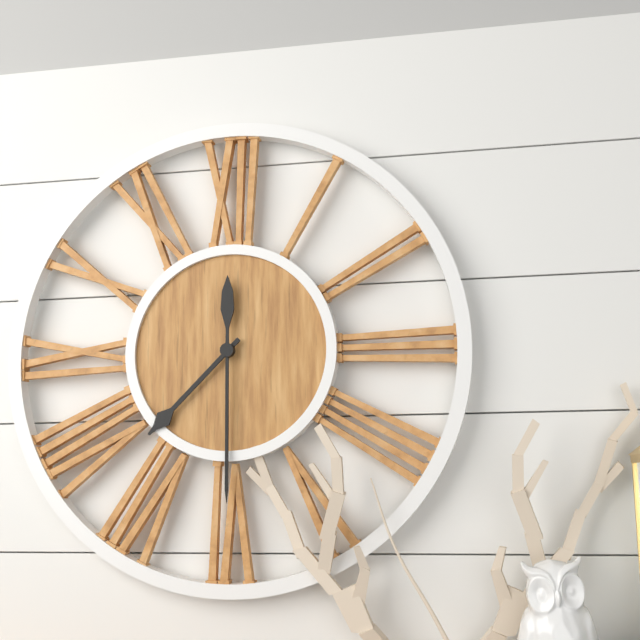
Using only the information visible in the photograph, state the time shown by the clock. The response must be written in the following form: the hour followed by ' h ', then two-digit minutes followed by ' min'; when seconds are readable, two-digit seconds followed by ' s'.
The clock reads 7 h 30 min
